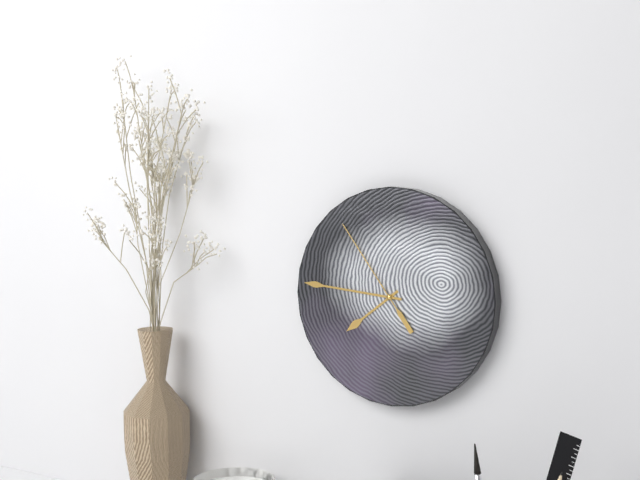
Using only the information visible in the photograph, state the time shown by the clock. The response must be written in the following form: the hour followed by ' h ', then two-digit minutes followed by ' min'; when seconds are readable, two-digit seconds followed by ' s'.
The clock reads 7 h 46 min 54 s
